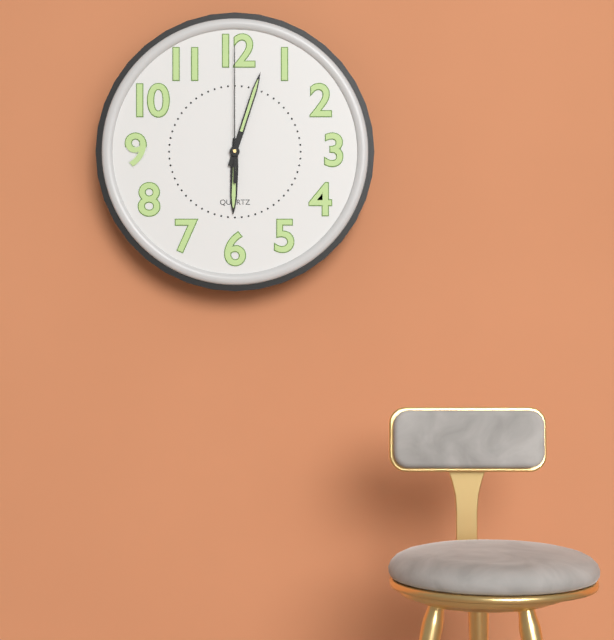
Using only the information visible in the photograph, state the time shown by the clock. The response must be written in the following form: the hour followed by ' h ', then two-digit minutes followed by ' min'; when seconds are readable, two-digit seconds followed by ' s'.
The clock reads 6 h 03 min 00 s
